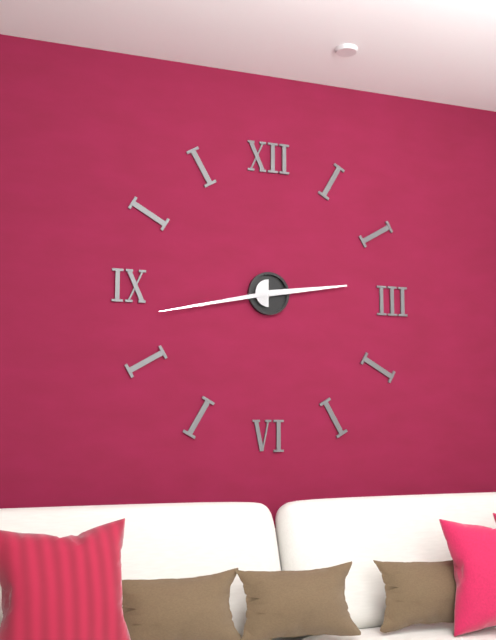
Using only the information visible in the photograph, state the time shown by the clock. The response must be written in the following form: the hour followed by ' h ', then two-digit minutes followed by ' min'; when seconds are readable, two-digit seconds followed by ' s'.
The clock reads 2 h 43 min
